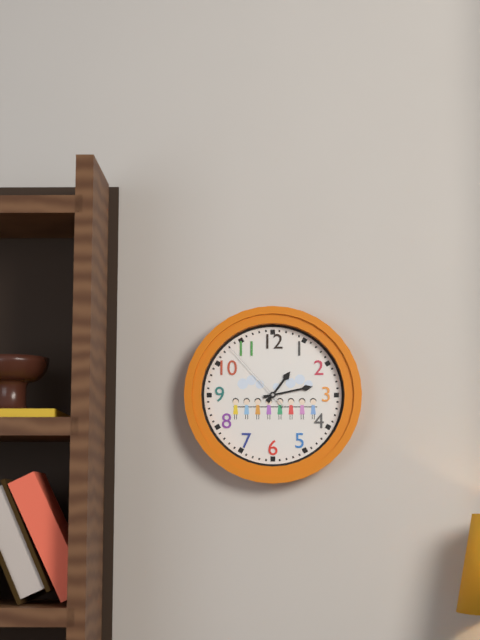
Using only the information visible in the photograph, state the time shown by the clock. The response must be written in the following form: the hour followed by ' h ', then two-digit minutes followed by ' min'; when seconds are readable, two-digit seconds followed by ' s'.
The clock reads 1 h 13 min 53 s
